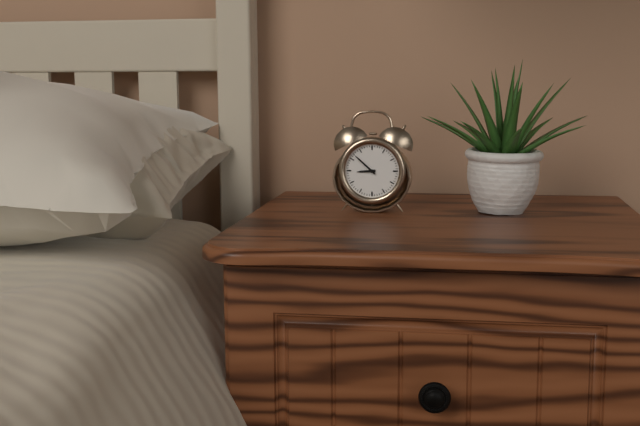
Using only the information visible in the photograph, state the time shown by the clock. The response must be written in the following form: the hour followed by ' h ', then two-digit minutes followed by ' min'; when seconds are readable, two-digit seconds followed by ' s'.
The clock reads 8 h 52 min
